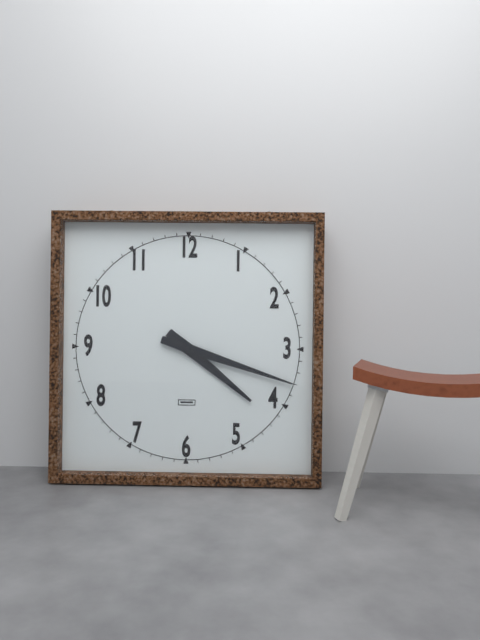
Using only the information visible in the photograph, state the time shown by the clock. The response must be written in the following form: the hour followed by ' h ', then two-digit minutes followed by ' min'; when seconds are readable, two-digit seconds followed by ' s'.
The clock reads 4 h 18 min
